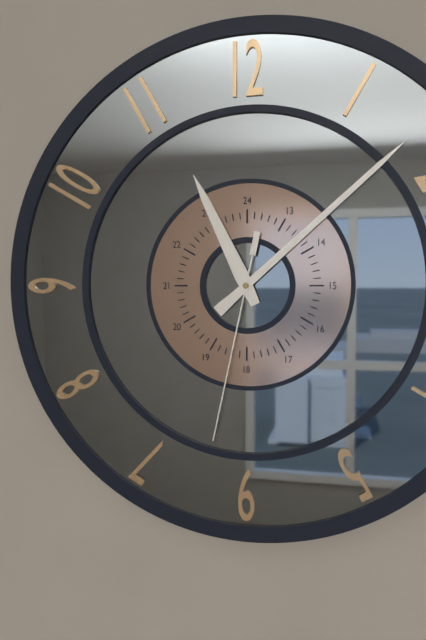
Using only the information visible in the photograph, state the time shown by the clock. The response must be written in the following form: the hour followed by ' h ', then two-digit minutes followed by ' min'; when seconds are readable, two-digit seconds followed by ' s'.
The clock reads 11 h 08 min 32 s
